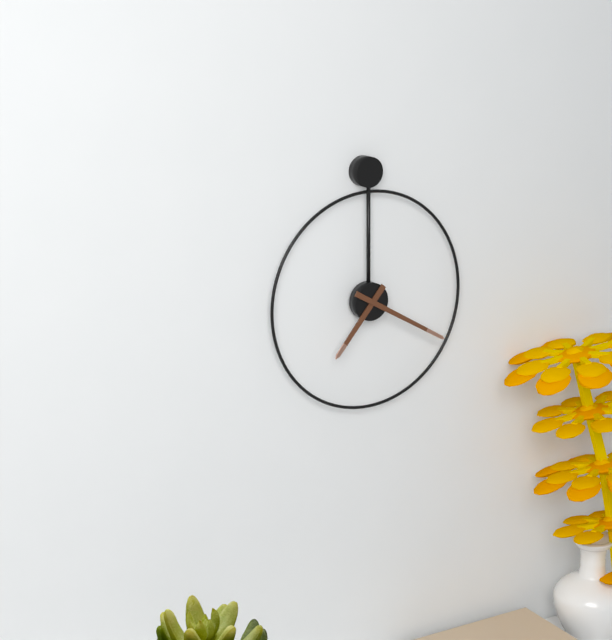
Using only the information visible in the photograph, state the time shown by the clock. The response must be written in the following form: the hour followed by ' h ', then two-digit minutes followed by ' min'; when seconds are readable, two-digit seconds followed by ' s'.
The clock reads 7 h 20 min
